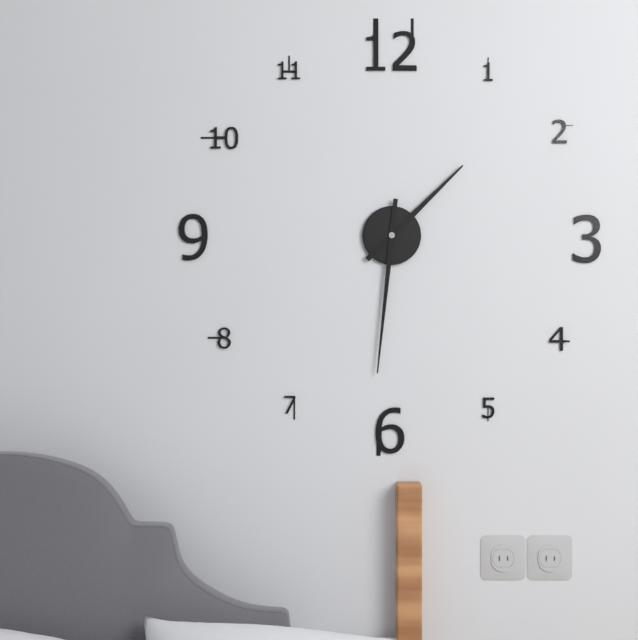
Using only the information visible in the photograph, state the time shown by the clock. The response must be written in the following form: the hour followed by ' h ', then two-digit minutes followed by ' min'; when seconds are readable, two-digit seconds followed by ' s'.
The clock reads 1 h 31 min
